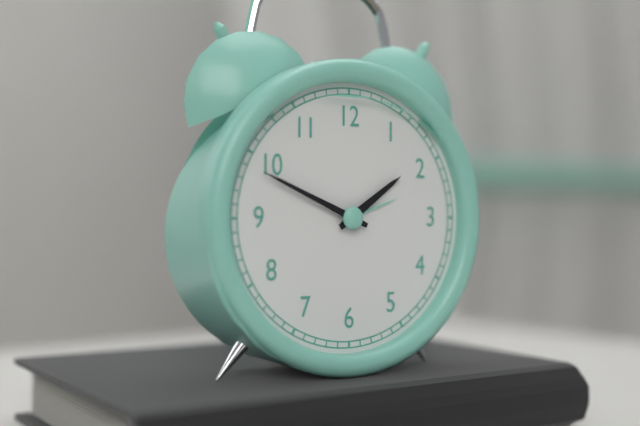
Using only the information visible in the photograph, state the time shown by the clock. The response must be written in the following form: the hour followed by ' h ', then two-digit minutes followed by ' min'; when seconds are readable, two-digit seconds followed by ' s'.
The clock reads 1 h 49 min
